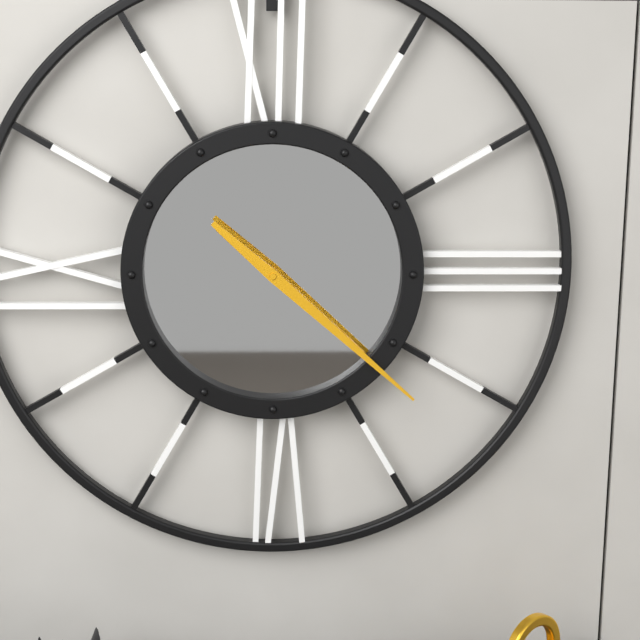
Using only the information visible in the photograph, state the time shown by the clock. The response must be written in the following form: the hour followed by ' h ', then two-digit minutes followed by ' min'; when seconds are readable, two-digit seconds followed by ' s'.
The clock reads 4 h 22 min
